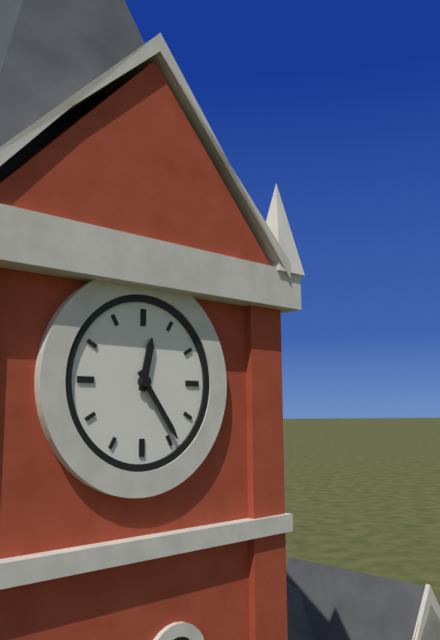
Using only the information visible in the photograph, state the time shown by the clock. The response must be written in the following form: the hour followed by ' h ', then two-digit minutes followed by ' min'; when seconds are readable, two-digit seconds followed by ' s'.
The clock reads 12 h 24 min
